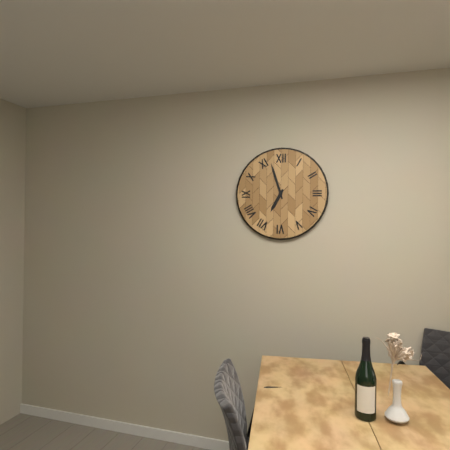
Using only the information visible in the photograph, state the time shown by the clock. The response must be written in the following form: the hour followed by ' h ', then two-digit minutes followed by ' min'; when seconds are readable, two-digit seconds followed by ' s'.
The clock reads 6 h 57 min
